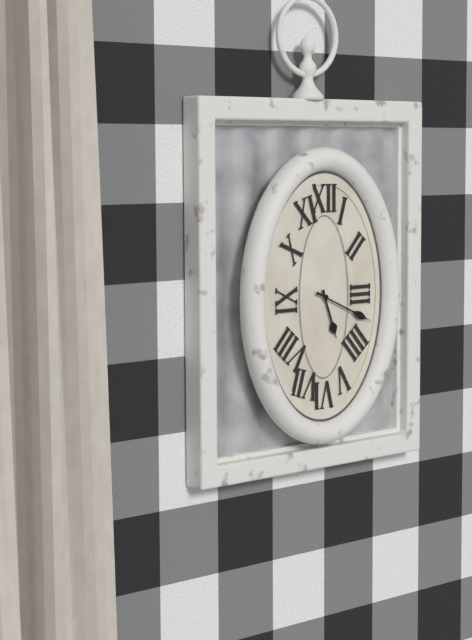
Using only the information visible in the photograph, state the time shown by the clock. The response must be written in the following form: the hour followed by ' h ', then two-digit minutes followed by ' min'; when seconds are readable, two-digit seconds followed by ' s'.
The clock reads 5 h 19 min
